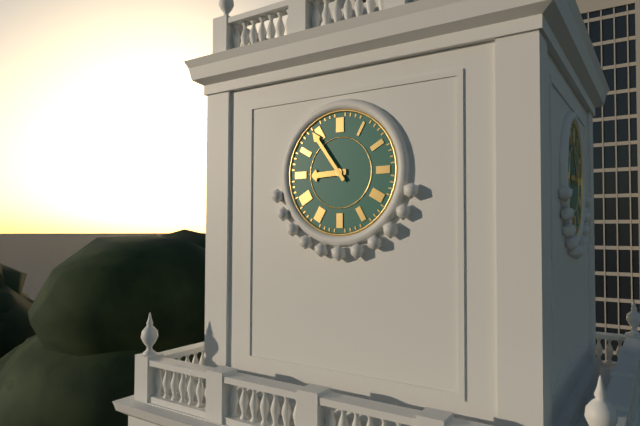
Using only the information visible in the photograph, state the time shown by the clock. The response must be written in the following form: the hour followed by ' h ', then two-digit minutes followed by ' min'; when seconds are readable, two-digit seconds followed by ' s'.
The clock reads 8 h 54 min
